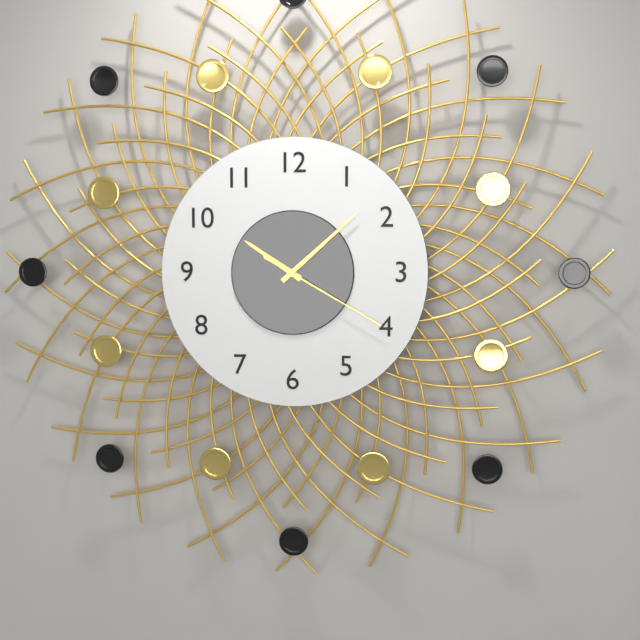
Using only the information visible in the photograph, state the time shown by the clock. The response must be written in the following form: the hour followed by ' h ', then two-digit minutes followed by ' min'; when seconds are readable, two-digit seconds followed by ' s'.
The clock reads 10 h 08 min 20 s
